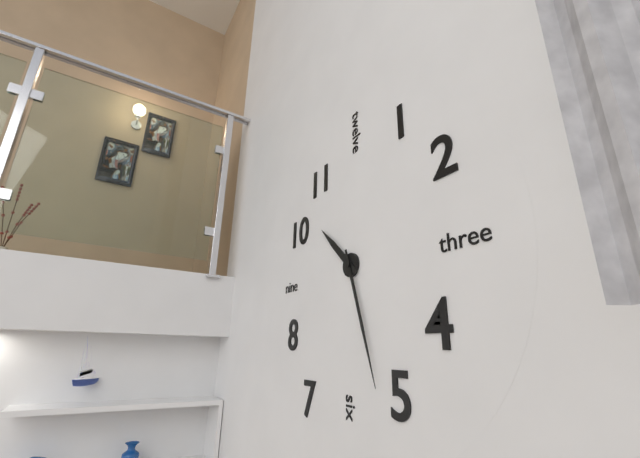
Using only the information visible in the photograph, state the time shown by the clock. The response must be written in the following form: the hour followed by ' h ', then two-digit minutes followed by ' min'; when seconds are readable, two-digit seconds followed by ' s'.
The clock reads 10 h 27 min
